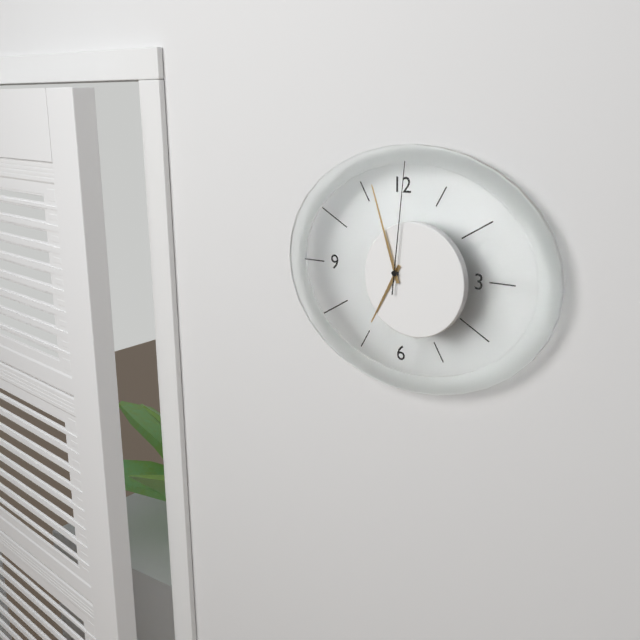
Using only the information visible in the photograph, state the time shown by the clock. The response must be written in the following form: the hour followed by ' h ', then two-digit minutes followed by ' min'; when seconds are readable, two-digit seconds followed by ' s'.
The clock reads 6 h 57 min 01 s
